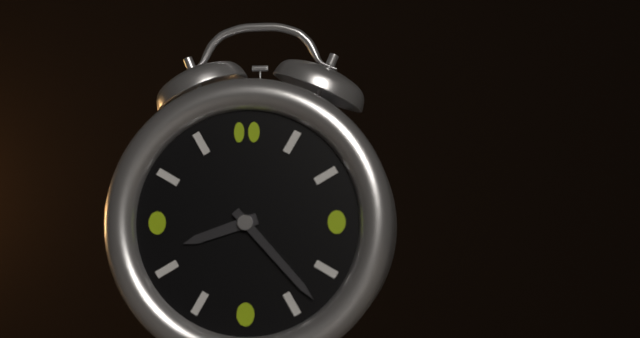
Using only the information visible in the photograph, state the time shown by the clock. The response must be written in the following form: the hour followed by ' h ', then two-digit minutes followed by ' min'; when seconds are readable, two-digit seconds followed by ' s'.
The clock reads 8 h 23 min
